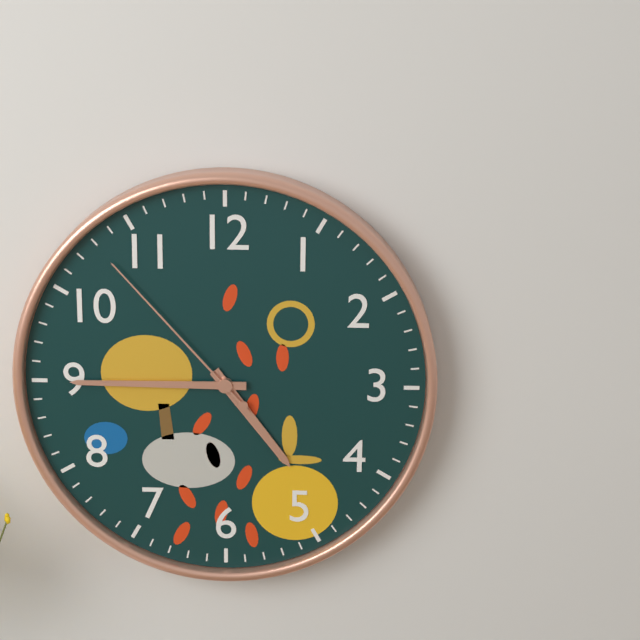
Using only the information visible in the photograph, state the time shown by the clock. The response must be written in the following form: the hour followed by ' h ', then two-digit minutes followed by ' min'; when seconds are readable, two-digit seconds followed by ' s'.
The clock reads 4 h 45 min 53 s
